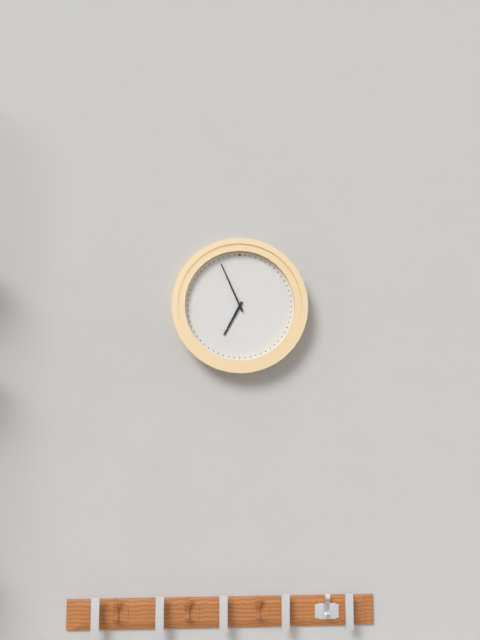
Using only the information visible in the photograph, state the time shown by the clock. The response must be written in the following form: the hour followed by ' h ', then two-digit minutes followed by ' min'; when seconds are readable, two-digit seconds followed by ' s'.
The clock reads 6 h 56 min
